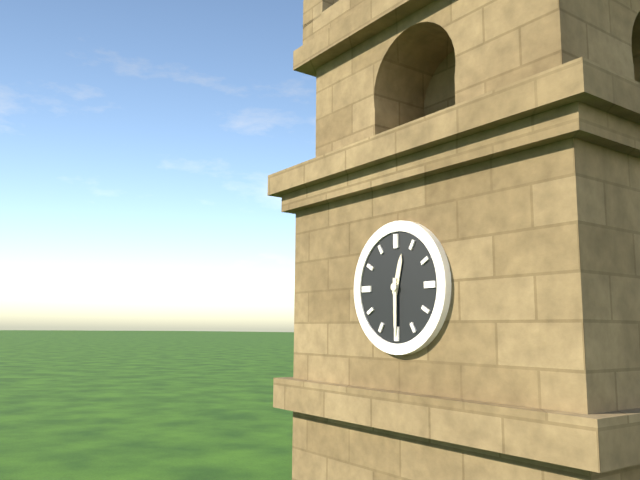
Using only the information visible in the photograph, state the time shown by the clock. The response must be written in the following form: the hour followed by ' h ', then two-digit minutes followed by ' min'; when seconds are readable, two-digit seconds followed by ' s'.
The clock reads 12 h 30 min
